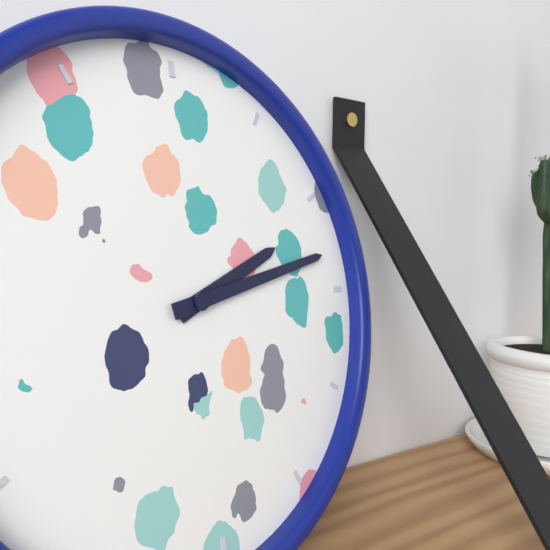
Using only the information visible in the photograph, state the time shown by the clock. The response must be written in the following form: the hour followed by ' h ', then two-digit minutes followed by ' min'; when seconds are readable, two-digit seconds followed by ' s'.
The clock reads 2 h 13 min
